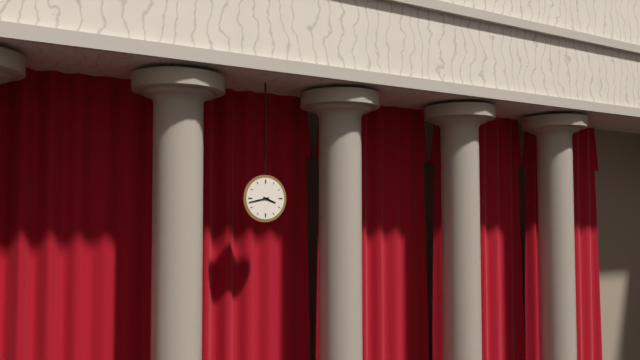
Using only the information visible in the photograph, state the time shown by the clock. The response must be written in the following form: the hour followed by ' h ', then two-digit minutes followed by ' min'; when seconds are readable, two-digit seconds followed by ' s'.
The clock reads 3 h 43 min
